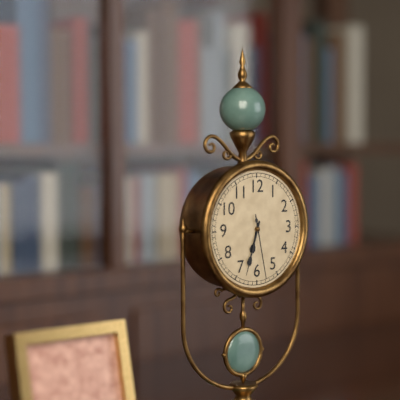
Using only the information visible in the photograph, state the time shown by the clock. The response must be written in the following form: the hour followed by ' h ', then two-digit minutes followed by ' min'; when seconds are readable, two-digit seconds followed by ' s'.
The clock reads 6 h 33 min 28 s
